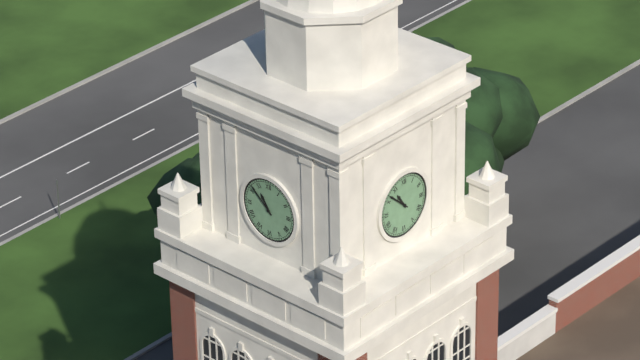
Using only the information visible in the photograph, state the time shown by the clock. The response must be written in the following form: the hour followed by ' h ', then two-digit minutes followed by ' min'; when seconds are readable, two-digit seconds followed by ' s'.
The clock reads 10 h 52 min
